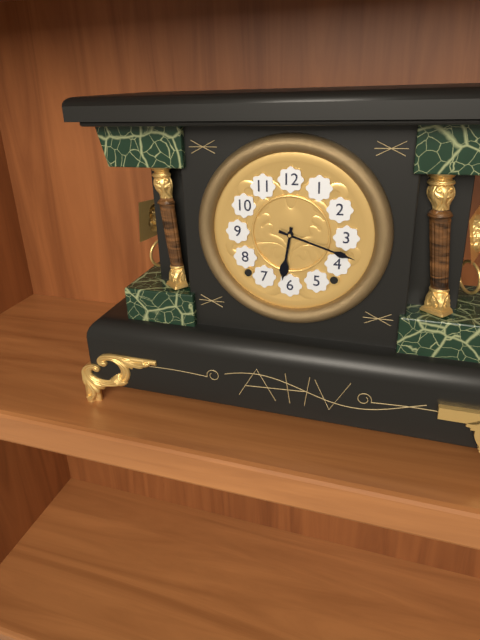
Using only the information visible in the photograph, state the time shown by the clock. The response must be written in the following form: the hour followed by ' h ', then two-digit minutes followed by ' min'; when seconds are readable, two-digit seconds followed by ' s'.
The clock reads 6 h 18 min
